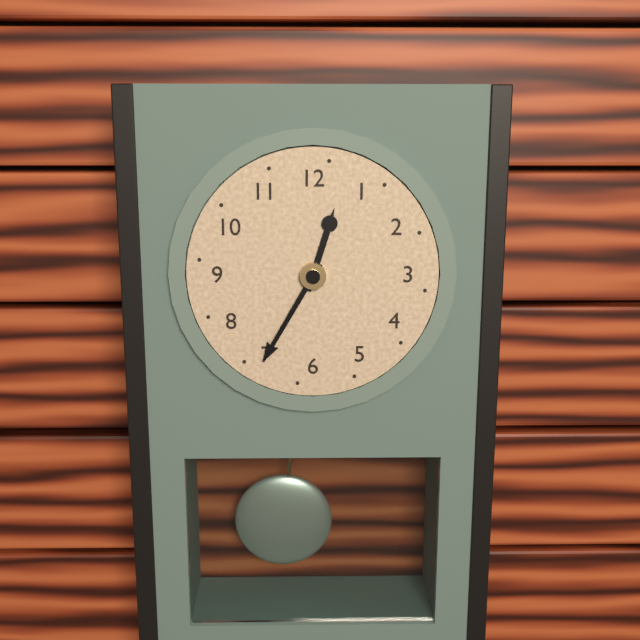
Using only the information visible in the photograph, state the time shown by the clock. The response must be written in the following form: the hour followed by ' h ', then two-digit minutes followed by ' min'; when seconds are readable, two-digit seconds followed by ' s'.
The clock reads 12 h 35 min
